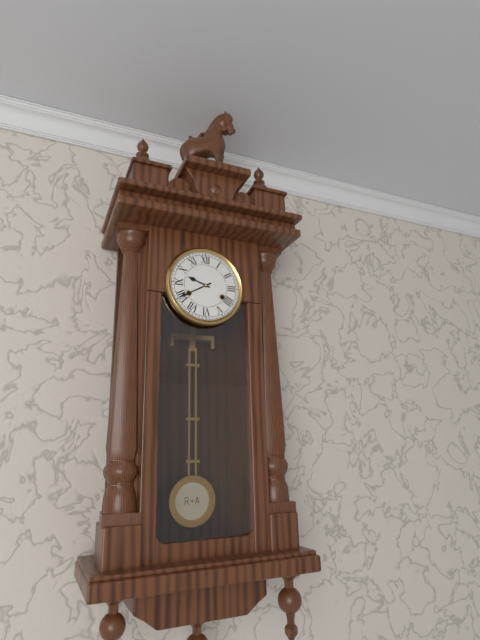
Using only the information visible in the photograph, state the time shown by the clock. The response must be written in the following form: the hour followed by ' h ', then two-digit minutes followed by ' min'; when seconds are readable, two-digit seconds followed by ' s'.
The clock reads 9 h 40 min
